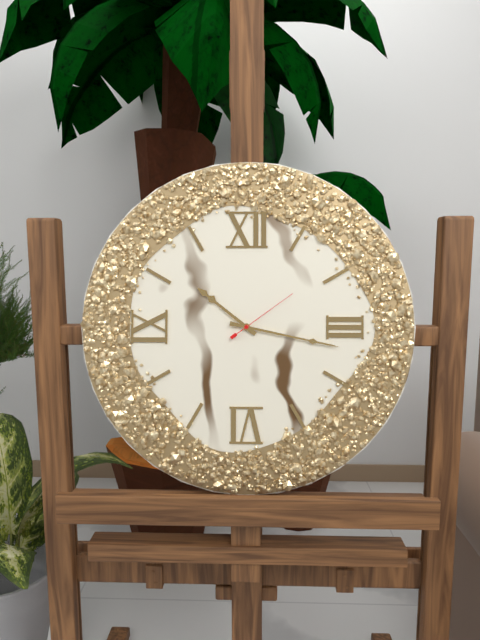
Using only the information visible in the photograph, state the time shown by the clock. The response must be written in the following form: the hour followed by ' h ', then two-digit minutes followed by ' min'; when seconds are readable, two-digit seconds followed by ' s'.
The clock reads 10 h 17 min 09 s
